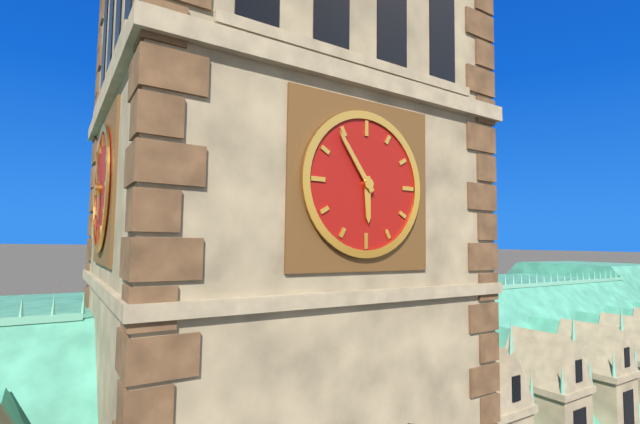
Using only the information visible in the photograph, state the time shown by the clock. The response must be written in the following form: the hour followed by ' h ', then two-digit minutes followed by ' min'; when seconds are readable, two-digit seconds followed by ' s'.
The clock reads 5 h 54 min
